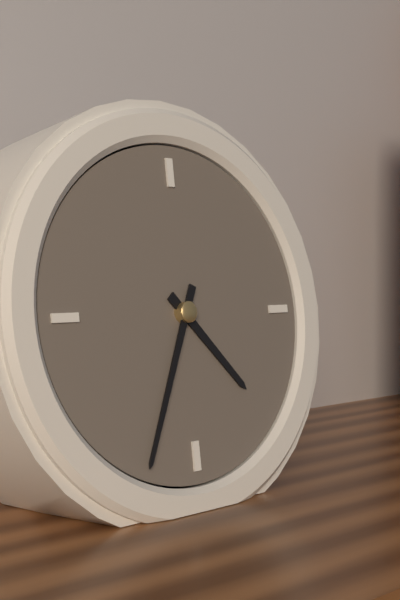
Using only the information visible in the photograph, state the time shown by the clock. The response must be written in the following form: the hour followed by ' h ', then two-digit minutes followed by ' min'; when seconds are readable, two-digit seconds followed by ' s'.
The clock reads 4 h 34 min
